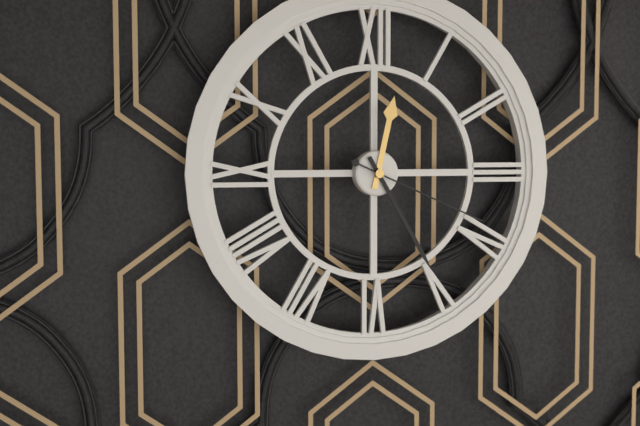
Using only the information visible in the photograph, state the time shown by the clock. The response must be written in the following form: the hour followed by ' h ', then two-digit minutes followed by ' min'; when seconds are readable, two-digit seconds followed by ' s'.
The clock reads 12 h 25 min 19 s
